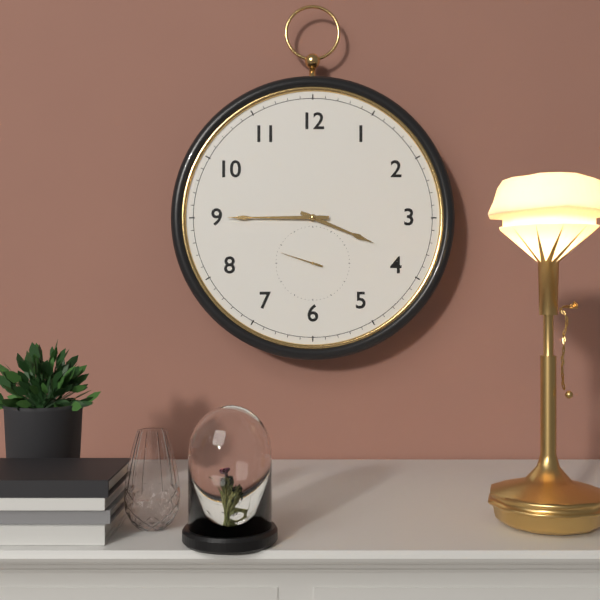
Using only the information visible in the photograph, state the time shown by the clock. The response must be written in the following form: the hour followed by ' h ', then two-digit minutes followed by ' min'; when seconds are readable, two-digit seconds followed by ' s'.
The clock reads 3 h 45 min
